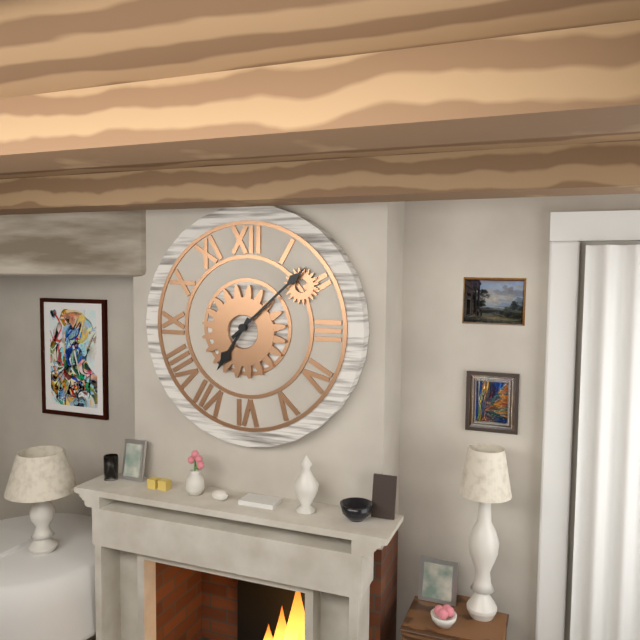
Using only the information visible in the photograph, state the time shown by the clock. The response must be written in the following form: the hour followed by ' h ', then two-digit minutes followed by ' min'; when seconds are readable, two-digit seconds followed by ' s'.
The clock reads 7 h 08 min
